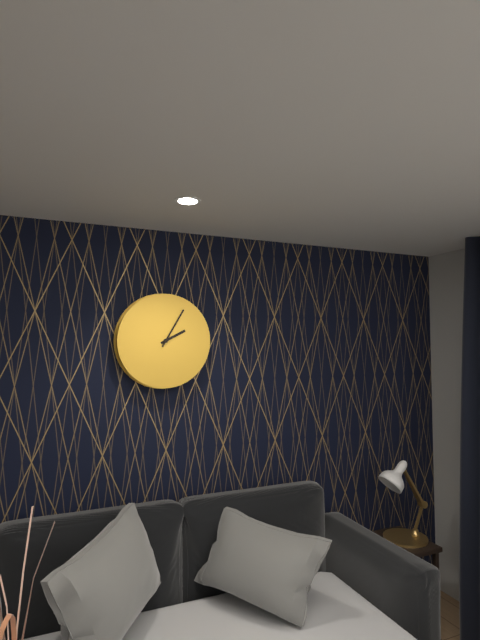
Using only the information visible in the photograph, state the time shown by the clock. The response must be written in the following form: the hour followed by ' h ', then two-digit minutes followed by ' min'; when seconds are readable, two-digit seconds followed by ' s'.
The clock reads 2 h 05 min
